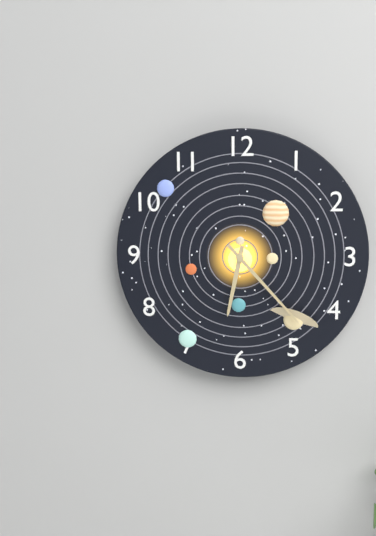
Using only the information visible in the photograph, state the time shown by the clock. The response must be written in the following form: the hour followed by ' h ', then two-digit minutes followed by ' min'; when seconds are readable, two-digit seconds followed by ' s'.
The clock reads 6 h 23 min
